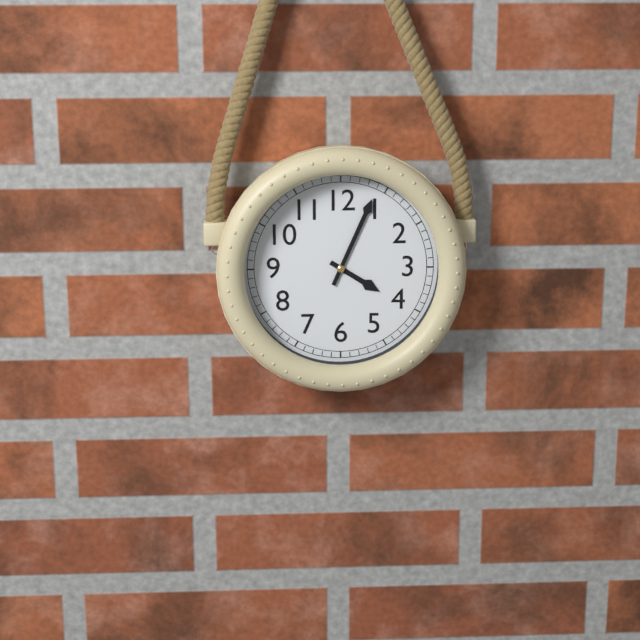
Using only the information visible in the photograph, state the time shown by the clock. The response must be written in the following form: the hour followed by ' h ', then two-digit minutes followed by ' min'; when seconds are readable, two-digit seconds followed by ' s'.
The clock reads 4 h 04 min
